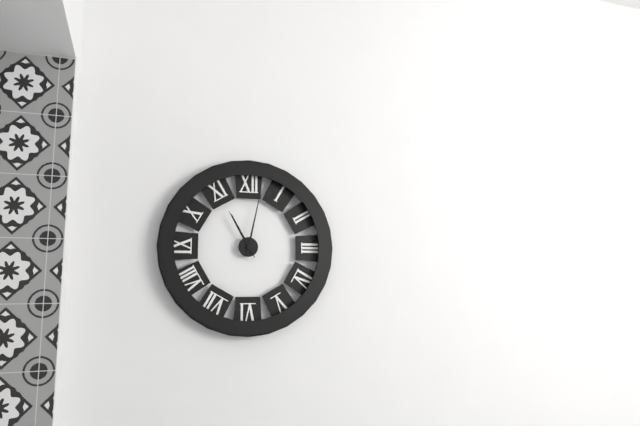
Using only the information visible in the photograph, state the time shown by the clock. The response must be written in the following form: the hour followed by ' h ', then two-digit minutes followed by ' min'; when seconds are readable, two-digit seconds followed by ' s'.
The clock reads 11 h 02 min 55 s
